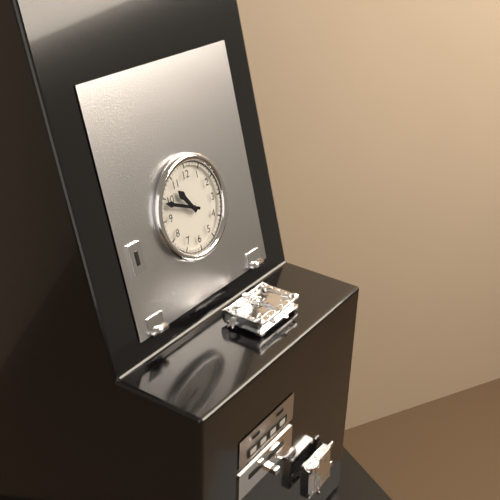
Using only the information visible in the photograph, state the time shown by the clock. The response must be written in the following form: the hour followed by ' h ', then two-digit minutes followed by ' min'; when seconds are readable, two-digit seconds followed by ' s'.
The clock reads 10 h 49 min
